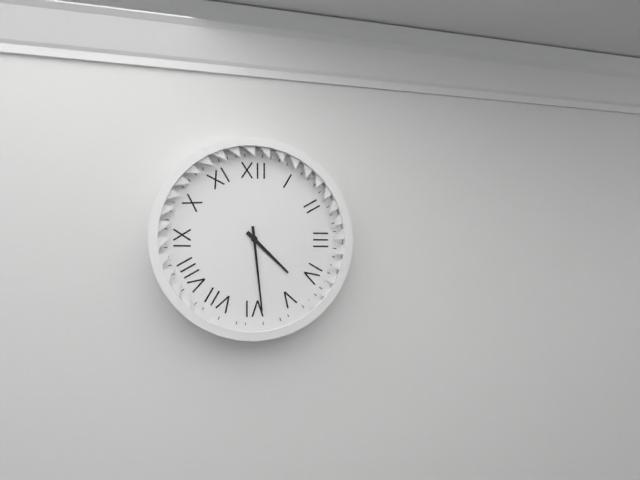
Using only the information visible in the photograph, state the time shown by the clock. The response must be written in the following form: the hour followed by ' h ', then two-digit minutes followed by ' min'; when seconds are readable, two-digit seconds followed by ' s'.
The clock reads 4 h 29 min
